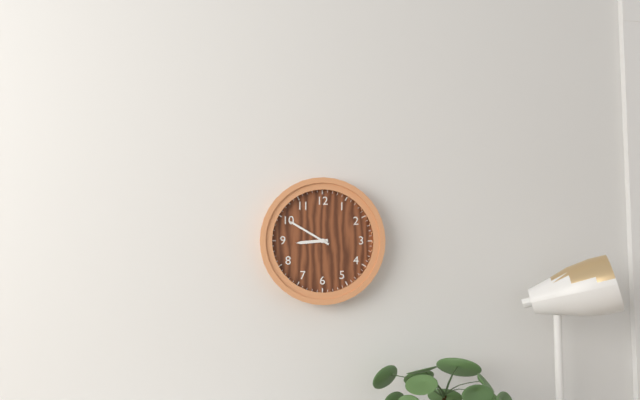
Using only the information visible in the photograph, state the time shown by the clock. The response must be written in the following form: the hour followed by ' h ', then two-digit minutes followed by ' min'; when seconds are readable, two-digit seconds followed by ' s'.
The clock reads 8 h 50 min
